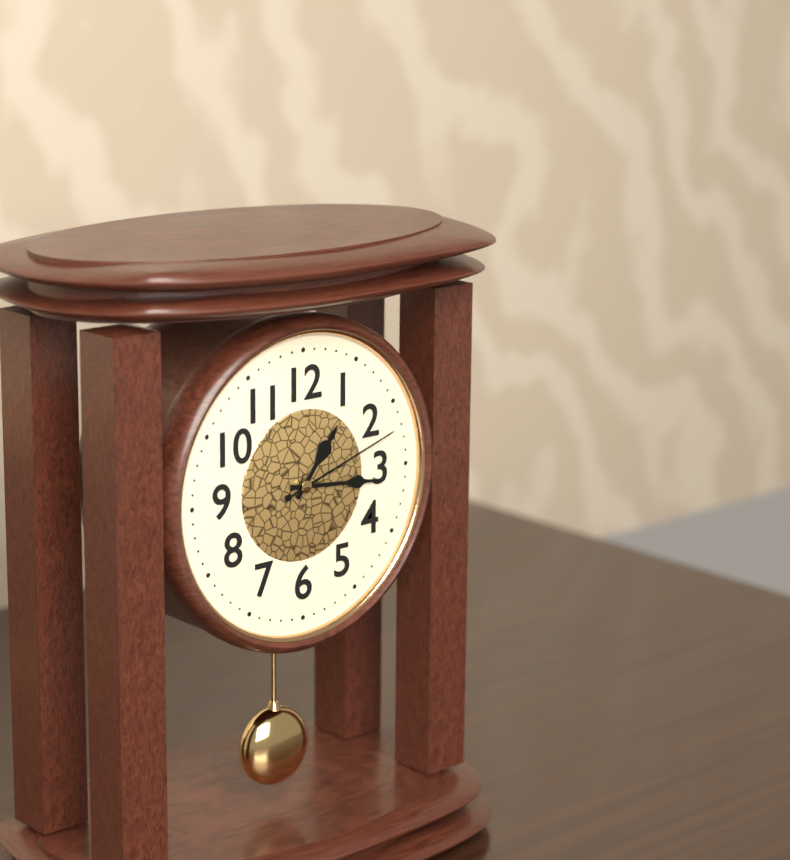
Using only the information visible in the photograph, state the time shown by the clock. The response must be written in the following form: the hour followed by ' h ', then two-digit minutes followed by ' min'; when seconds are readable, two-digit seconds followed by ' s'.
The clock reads 1 h 16 min 12 s
